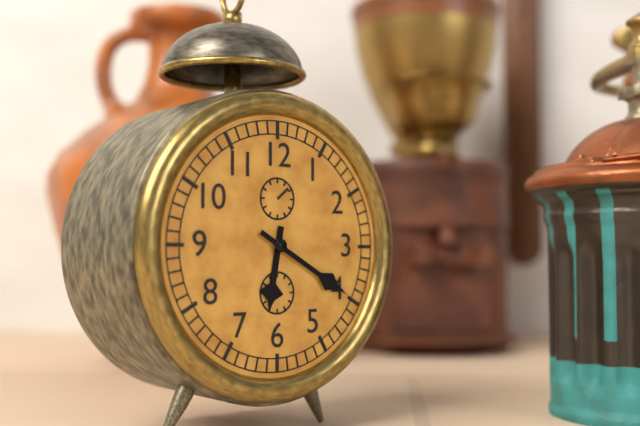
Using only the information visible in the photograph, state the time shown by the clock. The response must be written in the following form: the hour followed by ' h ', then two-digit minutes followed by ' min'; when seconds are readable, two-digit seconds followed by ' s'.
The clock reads 6 h 20 min
